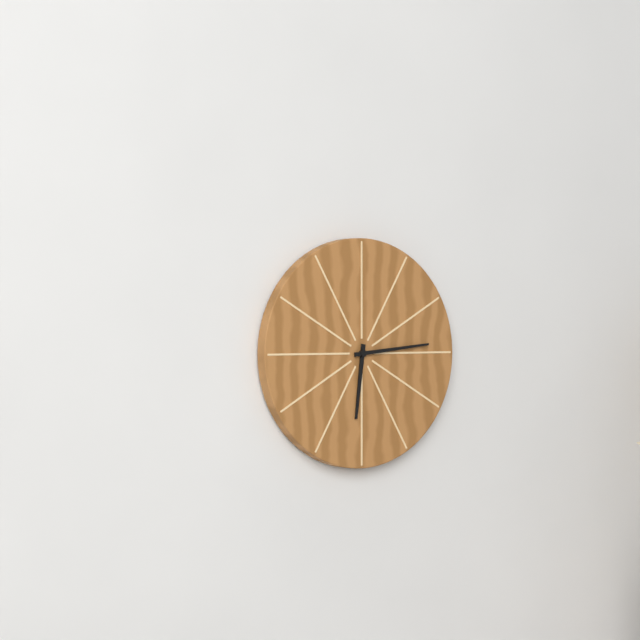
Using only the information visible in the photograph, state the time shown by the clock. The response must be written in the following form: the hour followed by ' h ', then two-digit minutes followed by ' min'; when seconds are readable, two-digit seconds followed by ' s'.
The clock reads 6 h 14 min
